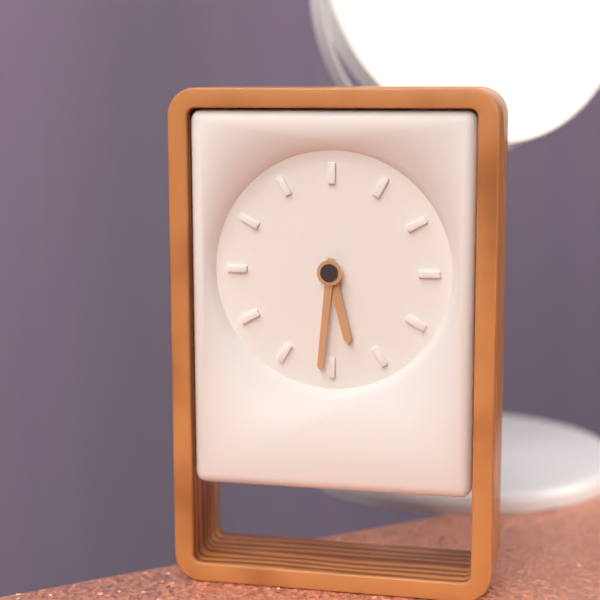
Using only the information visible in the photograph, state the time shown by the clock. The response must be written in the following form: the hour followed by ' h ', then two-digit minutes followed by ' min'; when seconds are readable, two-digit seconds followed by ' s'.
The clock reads 5 h 31 min
